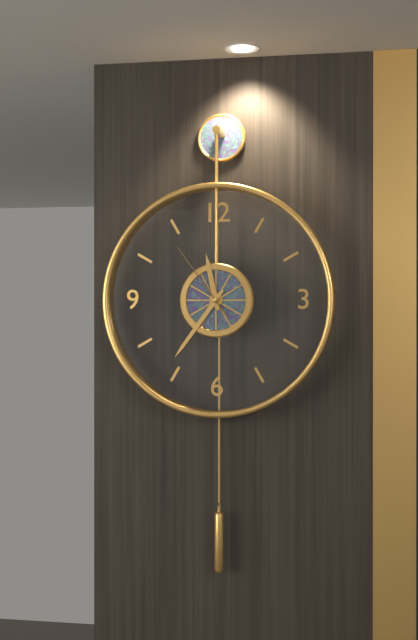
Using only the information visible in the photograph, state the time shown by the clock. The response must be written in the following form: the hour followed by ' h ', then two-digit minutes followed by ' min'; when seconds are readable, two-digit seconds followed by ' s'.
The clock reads 11 h 36 min 54 s
